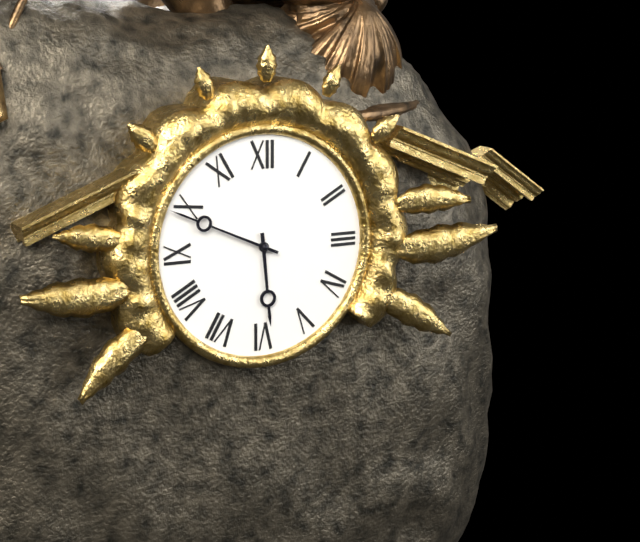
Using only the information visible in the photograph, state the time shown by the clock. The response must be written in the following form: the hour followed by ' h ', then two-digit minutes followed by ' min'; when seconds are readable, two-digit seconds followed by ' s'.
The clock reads 5 h 49 min
